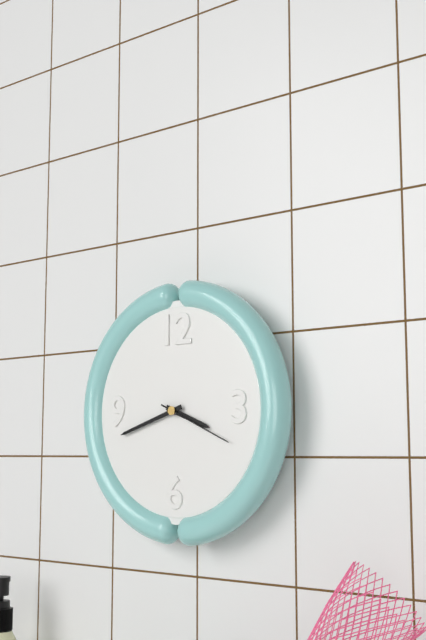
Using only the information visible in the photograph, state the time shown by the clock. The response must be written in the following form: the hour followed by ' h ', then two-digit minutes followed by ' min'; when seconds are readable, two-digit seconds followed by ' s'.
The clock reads 3 h 42 min 19 s
